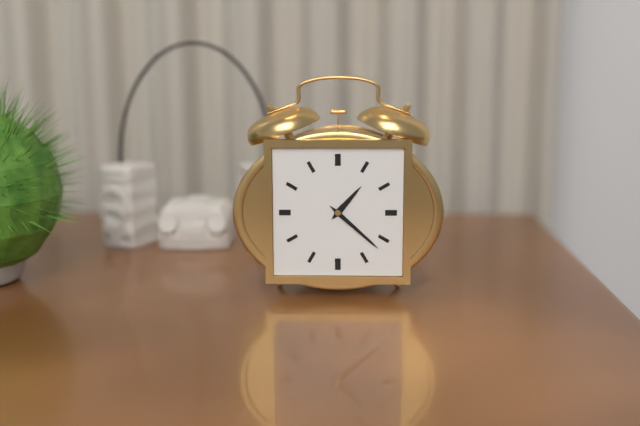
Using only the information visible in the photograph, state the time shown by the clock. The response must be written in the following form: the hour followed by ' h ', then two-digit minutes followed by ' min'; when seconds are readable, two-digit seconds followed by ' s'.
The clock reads 1 h 22 min
